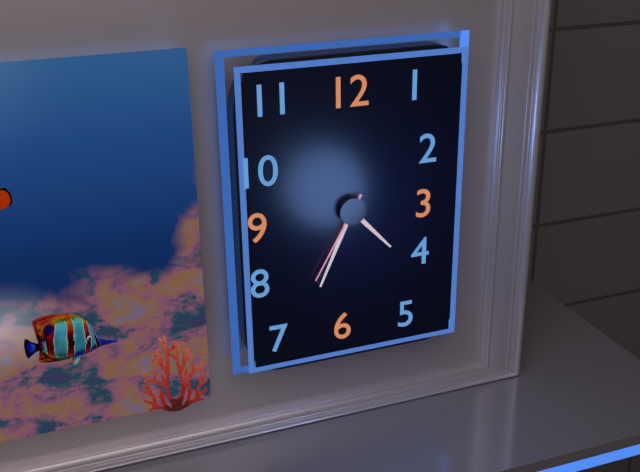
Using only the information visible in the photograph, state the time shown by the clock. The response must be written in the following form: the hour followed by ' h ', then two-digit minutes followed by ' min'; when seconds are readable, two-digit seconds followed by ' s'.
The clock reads 4 h 34 min 35 s
